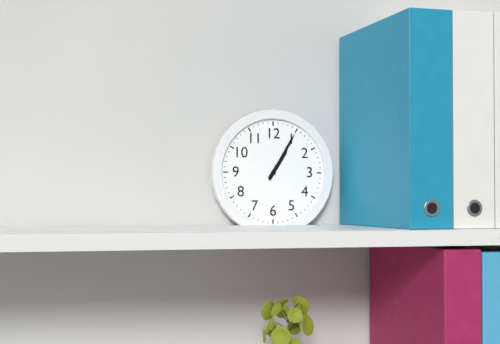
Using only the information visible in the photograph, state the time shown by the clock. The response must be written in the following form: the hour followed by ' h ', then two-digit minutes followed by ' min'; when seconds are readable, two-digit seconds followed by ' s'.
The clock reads 1 h 05 min
